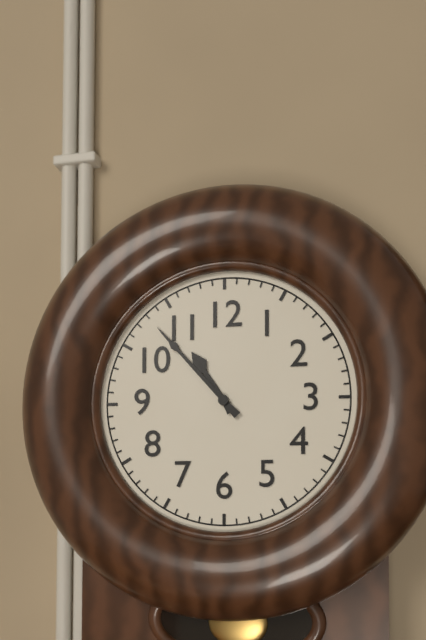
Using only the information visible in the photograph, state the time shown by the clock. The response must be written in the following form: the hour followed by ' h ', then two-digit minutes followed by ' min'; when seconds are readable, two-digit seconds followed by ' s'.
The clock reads 10 h 53 min
